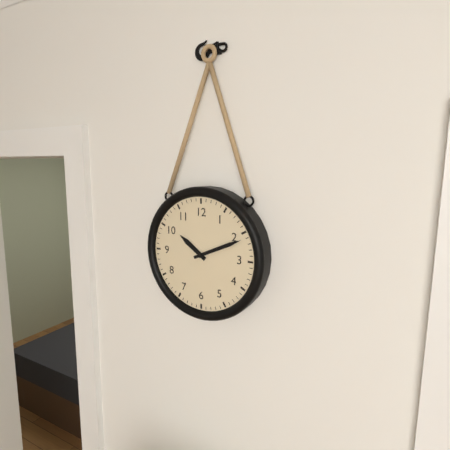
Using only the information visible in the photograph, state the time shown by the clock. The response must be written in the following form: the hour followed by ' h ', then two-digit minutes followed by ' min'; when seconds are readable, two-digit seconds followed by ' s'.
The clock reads 10 h 11 min
